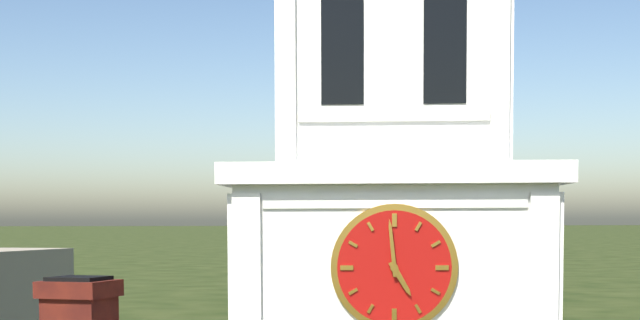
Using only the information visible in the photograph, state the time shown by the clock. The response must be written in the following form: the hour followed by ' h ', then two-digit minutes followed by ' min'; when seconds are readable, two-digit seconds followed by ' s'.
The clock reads 4 h 59 min
